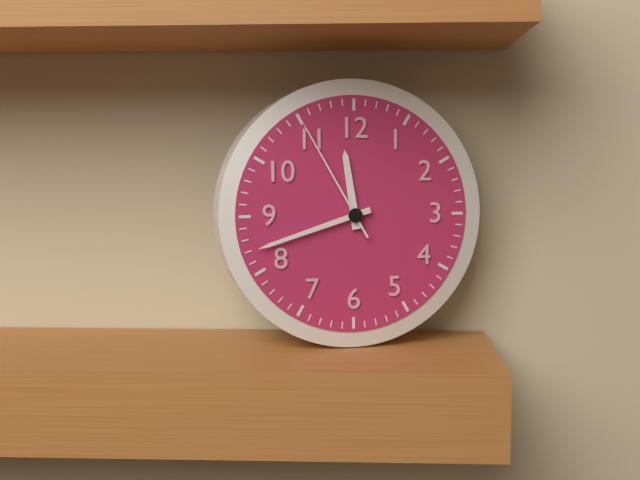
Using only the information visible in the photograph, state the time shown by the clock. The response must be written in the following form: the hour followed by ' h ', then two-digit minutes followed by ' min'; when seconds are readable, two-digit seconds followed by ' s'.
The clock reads 11 h 42 min 55 s
